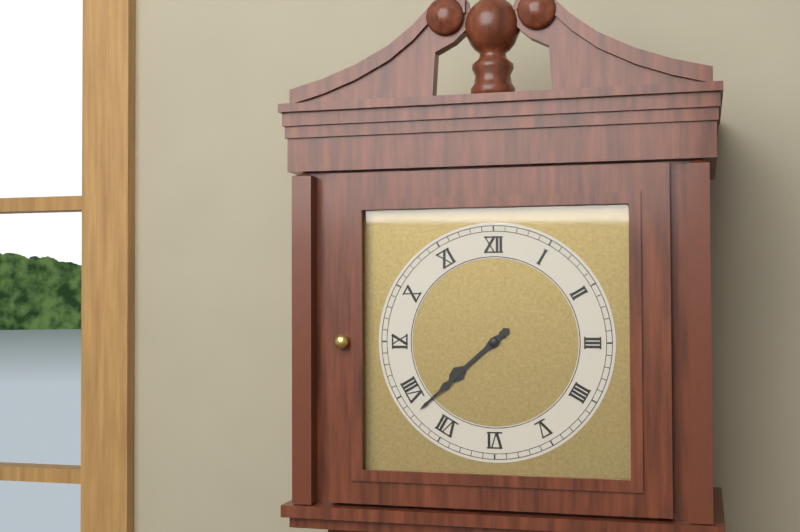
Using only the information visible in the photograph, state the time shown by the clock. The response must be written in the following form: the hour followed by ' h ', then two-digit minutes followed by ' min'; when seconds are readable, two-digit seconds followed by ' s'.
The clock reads 7 h 38 min
